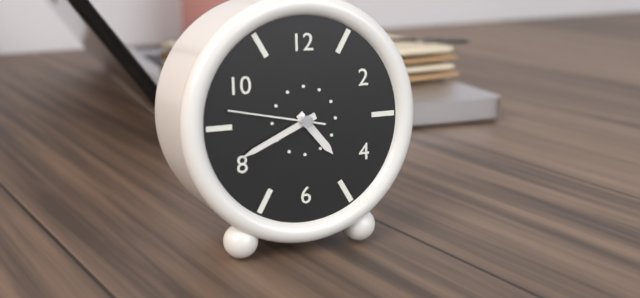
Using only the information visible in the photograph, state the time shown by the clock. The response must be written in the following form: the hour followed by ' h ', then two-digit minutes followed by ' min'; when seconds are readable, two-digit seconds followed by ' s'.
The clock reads 4 h 41 min 47 s
